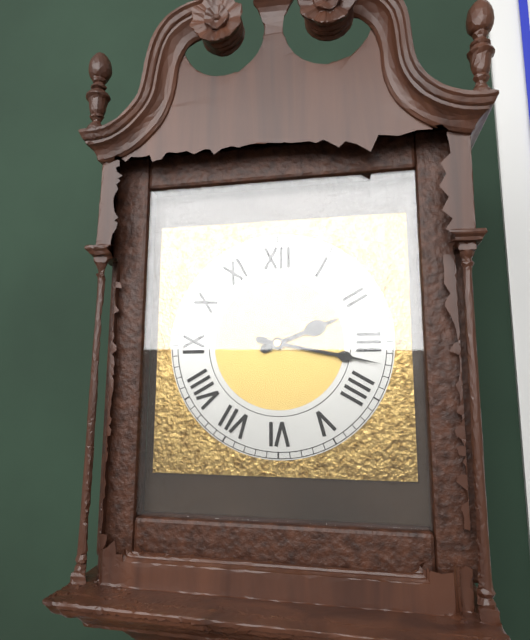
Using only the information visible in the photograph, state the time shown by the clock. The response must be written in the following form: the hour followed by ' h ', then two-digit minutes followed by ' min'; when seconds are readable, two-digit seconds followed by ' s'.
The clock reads 2 h 17 min
